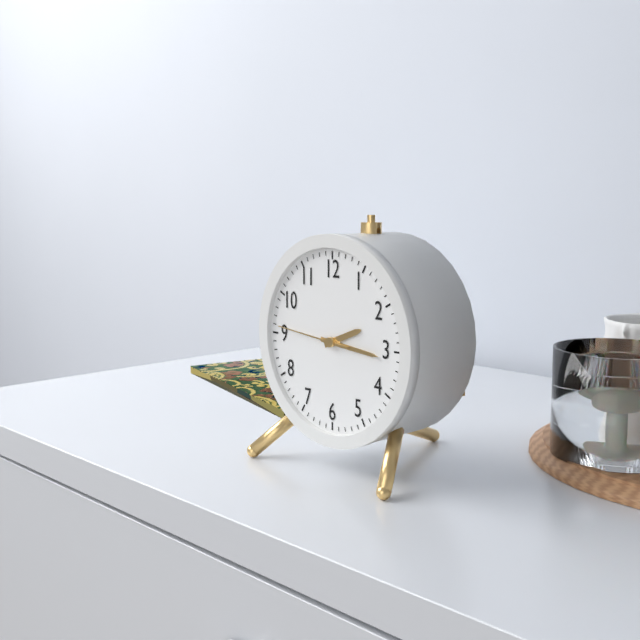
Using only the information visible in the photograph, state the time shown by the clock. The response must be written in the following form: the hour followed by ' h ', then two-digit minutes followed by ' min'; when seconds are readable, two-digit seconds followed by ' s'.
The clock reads 2 h 16 min 46 s
